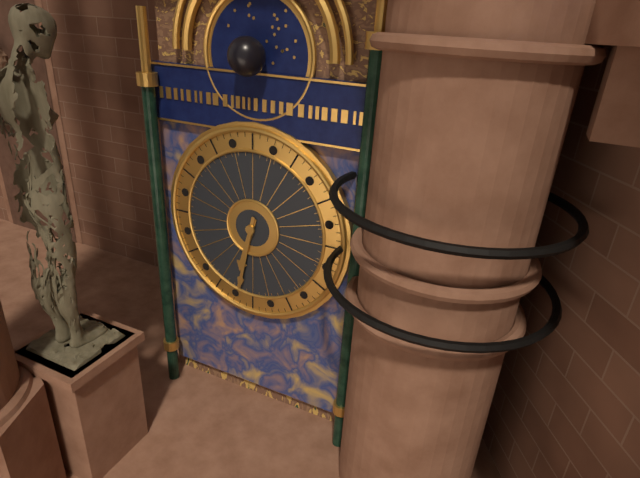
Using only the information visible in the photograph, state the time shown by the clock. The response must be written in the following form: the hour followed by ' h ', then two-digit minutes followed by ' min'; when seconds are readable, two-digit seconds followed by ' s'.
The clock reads 6 h 32 min
